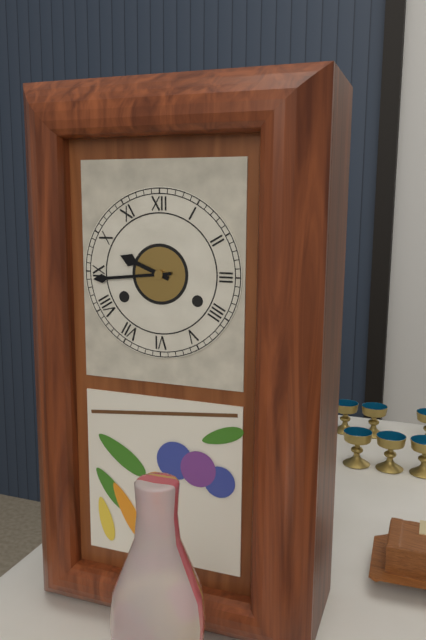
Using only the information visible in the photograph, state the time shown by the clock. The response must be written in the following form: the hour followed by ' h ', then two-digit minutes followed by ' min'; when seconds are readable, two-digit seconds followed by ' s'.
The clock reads 9 h 44 min
